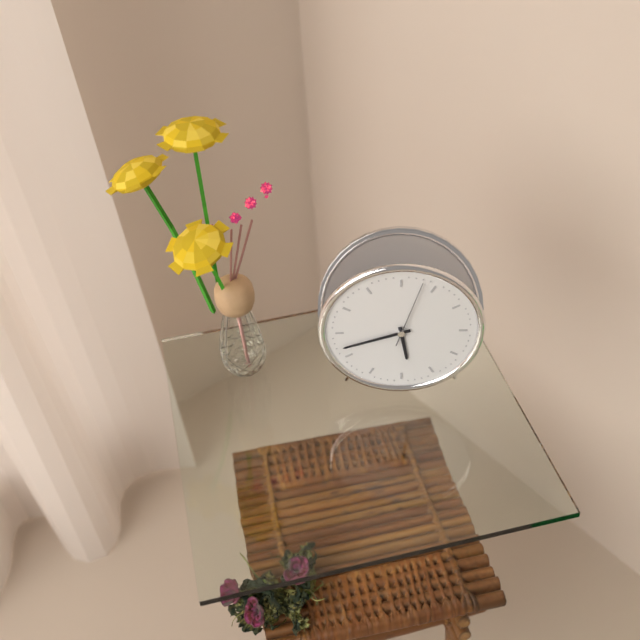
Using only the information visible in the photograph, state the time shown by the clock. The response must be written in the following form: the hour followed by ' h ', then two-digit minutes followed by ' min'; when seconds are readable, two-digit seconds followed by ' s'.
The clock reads 5 h 42 min 03 s
